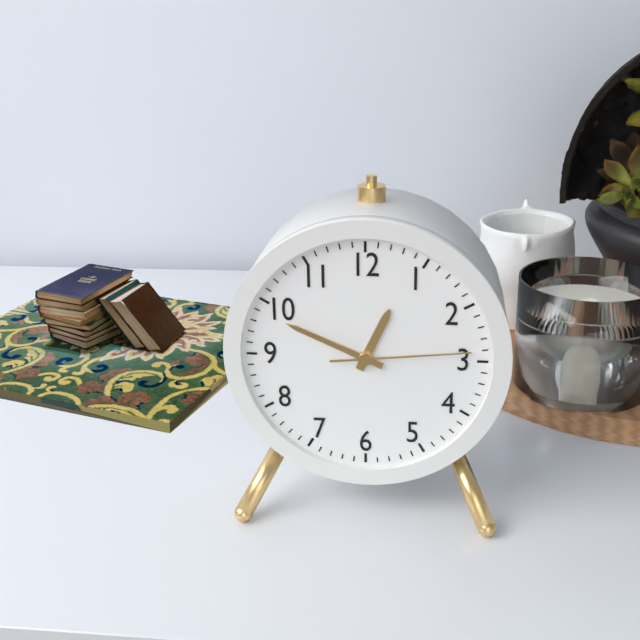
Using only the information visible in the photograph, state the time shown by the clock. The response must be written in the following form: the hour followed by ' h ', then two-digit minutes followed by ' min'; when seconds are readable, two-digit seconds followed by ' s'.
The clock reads 12 h 49 min 14 s
